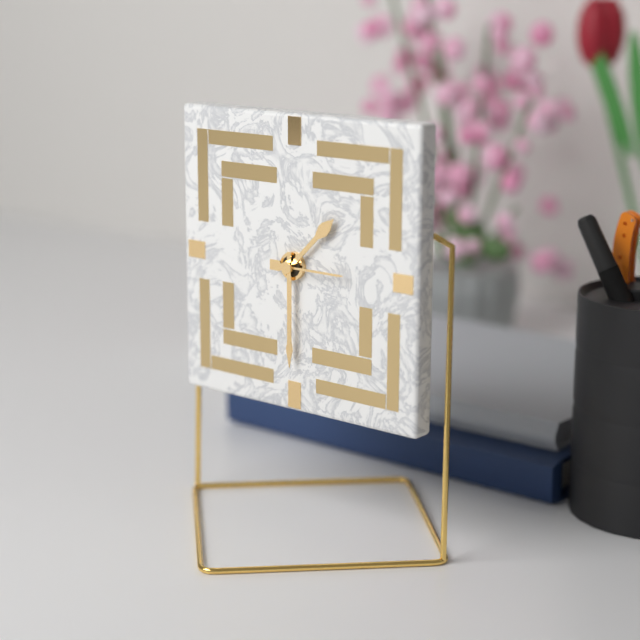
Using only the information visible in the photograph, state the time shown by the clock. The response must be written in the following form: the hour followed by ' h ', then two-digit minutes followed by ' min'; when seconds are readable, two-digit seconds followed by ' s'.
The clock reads 1 h 30 min 15 s
